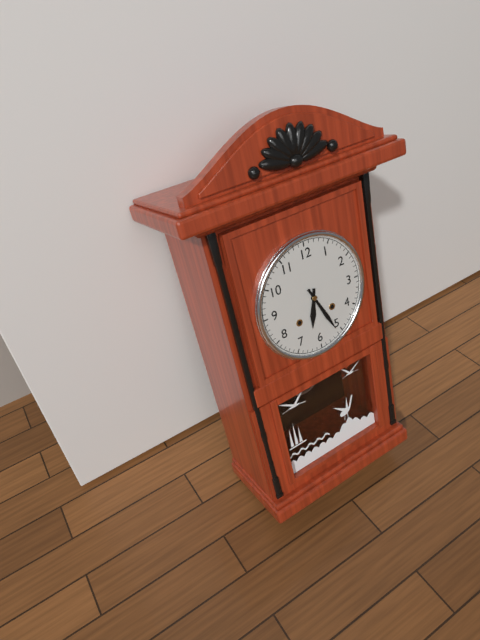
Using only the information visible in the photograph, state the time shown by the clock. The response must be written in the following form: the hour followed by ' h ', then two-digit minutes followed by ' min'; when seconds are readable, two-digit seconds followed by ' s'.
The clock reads 6 h 26 min
